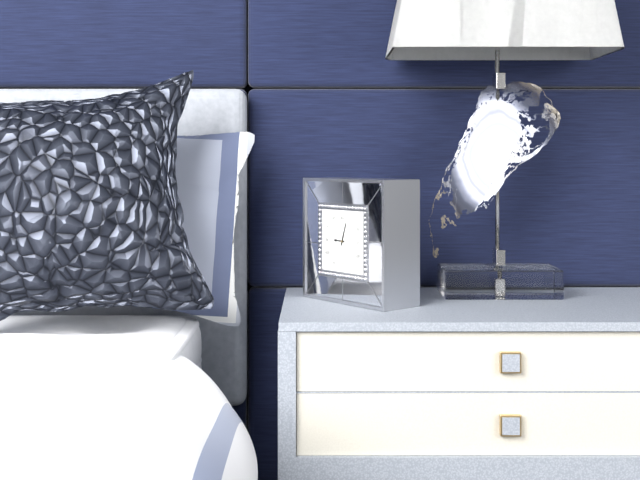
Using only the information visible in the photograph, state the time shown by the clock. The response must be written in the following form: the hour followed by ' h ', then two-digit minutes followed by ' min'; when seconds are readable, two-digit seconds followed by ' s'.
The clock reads 9 h 03 min
